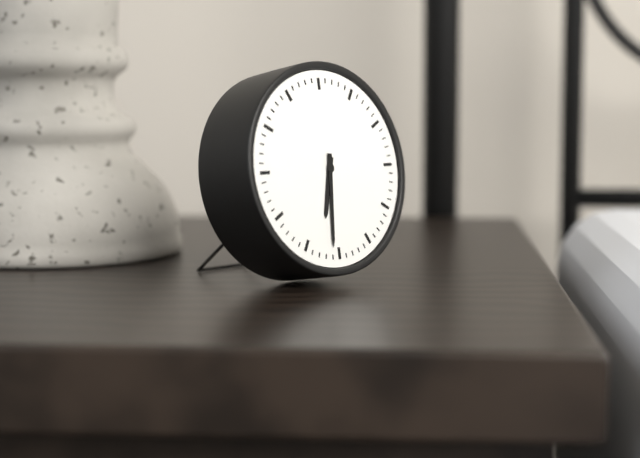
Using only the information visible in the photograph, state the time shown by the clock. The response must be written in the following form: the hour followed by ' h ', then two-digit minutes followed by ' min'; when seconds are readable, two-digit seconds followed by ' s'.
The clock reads 6 h 31 min
